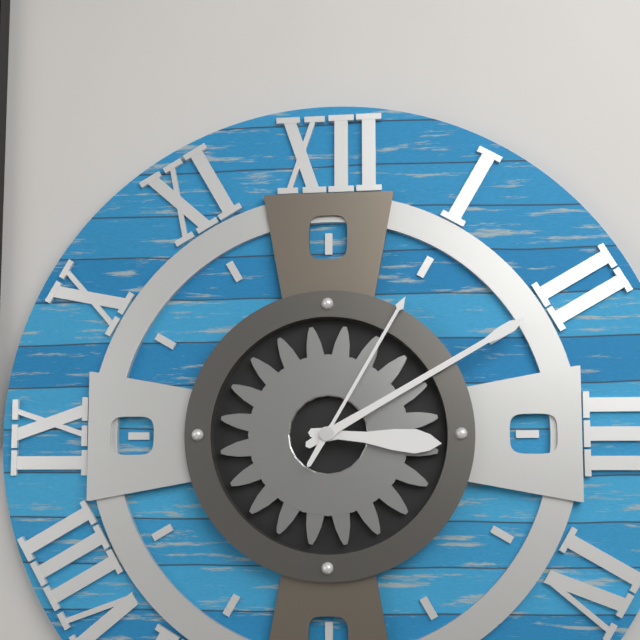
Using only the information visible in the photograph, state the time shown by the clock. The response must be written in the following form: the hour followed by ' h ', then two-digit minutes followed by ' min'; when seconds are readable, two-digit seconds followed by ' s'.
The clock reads 3 h 10 min 05 s
